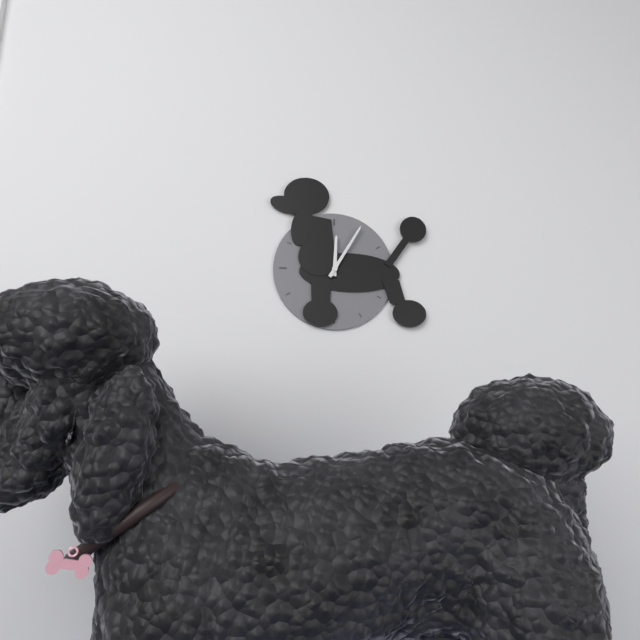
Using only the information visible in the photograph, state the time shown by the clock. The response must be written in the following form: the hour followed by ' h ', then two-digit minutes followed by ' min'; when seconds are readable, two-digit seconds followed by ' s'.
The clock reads 12 h 05 min
